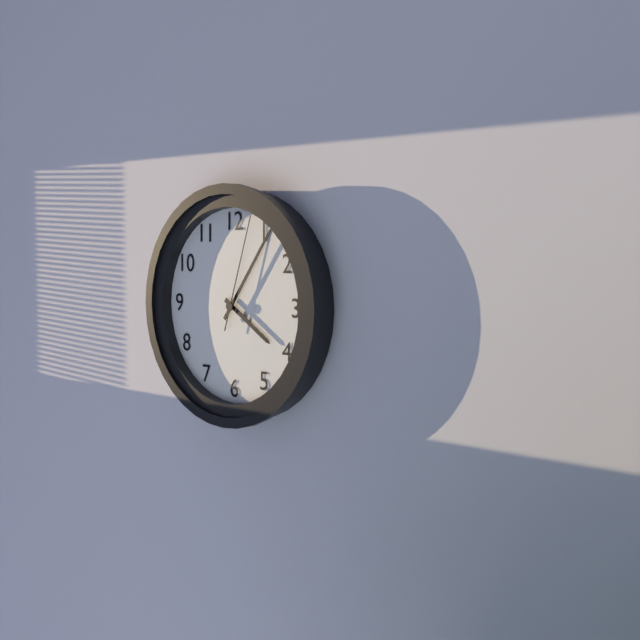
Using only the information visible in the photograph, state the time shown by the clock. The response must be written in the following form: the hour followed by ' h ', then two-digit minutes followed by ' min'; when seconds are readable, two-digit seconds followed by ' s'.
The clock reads 4 h 06 min 03 s
